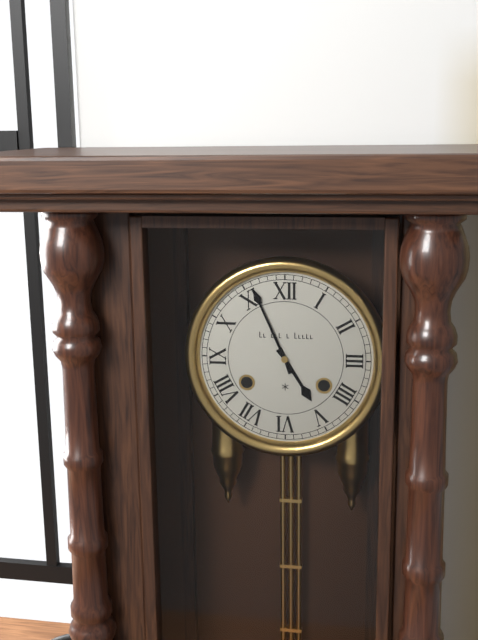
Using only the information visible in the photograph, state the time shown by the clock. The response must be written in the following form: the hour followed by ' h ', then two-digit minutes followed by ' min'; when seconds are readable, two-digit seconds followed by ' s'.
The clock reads 4 h 56 min
